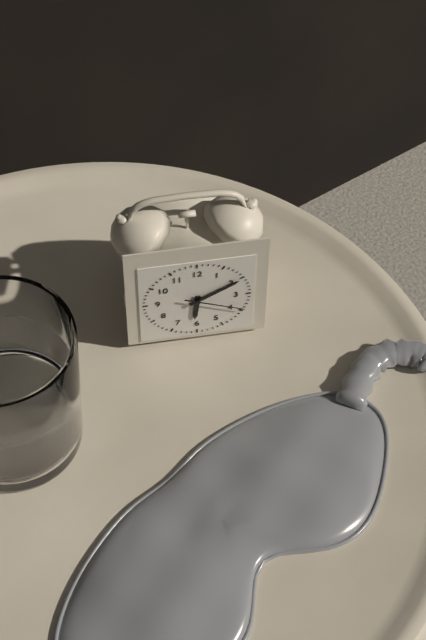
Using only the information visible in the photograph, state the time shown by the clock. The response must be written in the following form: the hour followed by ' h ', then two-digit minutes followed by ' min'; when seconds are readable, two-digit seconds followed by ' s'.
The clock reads 6 h 10 min 19 s
